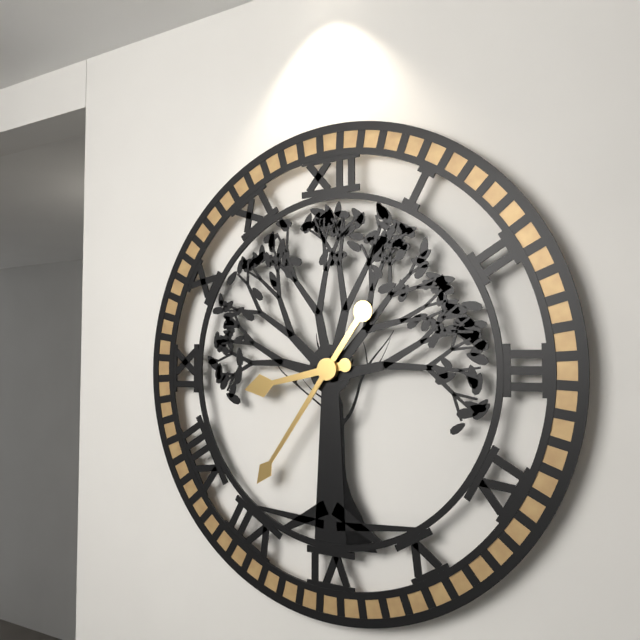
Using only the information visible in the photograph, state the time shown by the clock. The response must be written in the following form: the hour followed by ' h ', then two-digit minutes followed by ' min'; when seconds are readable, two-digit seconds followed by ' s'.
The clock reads 8 h 36 min
